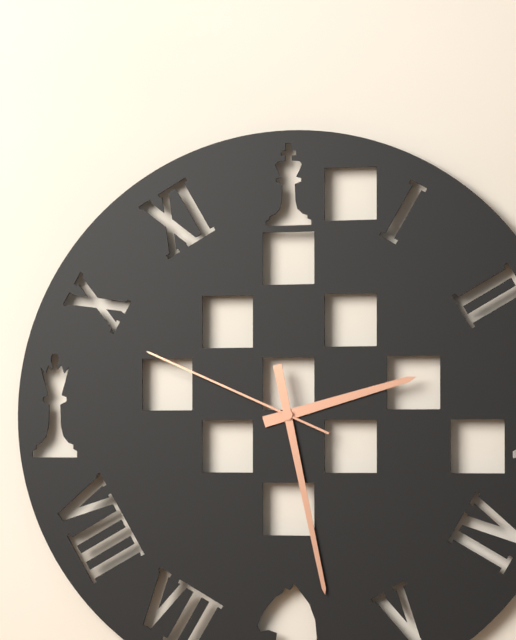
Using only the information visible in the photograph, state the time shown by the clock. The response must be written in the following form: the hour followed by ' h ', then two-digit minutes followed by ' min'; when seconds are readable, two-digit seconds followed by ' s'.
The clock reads 2 h 28 min 49 s
